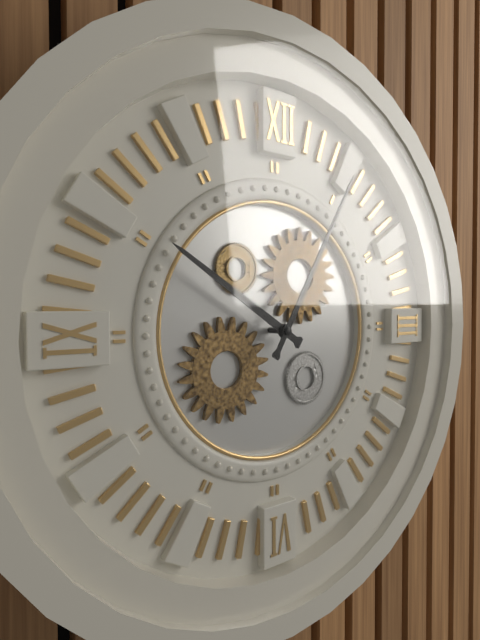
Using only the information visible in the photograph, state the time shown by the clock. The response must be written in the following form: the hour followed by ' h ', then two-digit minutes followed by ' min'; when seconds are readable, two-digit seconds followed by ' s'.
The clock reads 10 h 05 min
